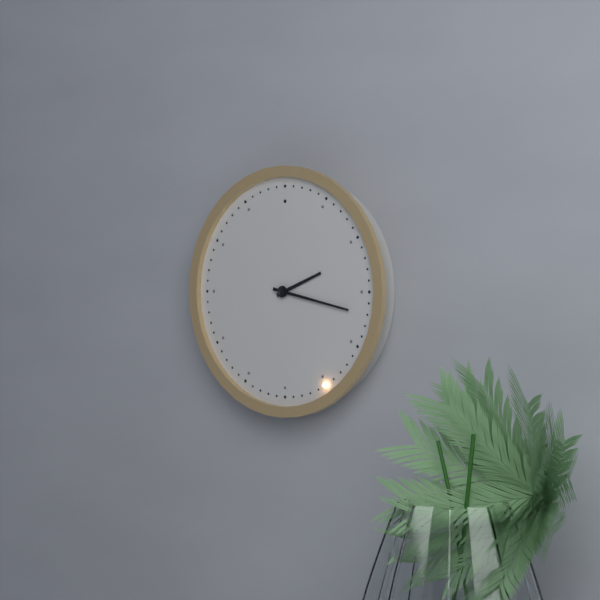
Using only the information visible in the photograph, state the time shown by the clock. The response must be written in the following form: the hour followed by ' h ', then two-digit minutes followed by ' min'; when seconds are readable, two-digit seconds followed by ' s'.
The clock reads 2 h 17 min
